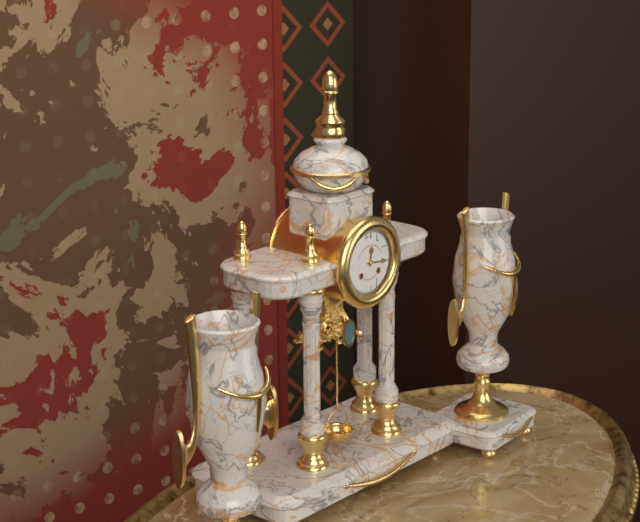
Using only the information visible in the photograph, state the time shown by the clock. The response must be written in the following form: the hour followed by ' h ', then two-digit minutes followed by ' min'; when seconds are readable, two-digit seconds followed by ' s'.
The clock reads 12 h 16 min
